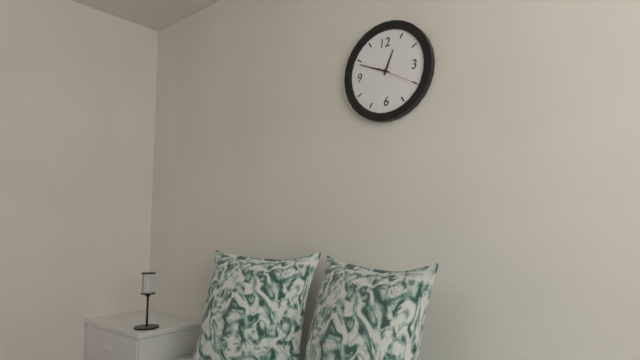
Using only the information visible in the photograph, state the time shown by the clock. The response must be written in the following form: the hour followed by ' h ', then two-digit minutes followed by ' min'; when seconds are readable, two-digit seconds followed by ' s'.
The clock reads 12 h 49 min
